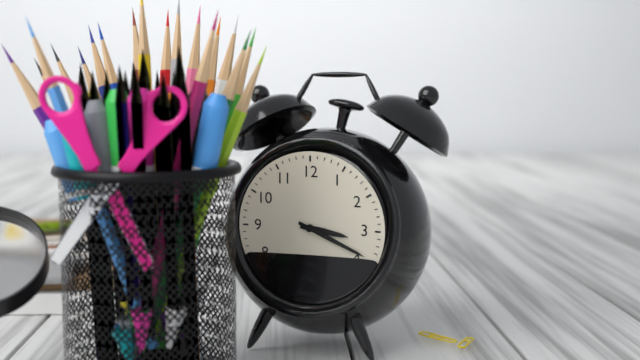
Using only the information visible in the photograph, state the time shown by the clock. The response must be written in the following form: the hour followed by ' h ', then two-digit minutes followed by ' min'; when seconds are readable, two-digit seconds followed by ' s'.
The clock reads 3 h 19 min
